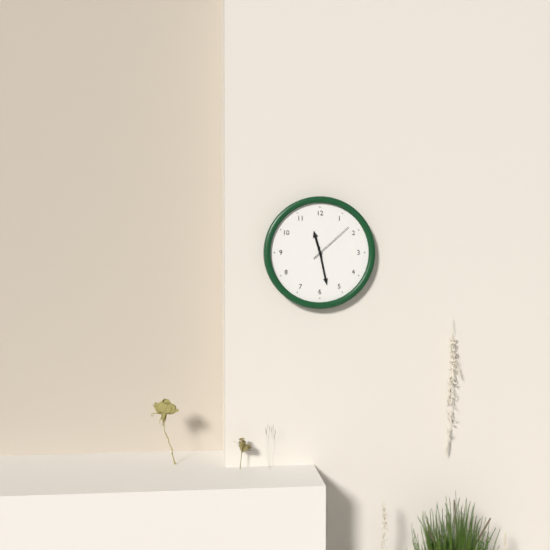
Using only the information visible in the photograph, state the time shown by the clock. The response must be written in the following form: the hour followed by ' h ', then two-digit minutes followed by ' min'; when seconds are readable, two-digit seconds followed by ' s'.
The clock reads 11 h 28 min
